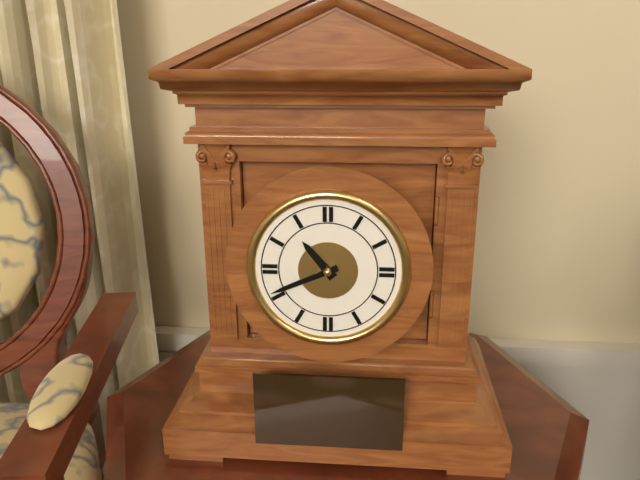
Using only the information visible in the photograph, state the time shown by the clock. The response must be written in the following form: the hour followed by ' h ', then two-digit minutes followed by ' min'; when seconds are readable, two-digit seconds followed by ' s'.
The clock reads 10 h 41 min
